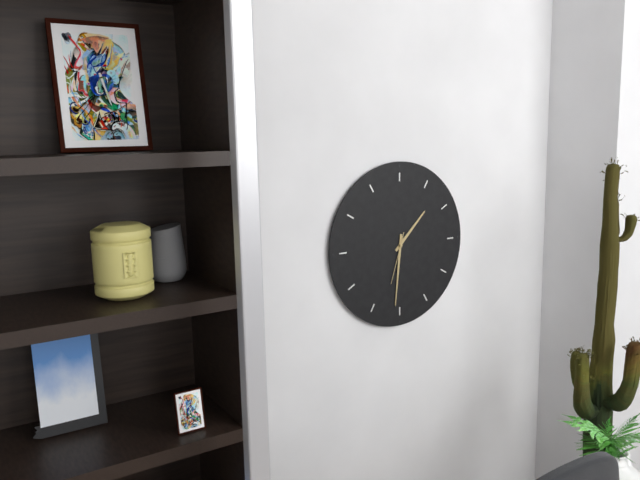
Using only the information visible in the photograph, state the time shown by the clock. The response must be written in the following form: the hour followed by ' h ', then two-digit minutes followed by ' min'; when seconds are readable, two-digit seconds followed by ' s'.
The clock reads 1 h 31 min
